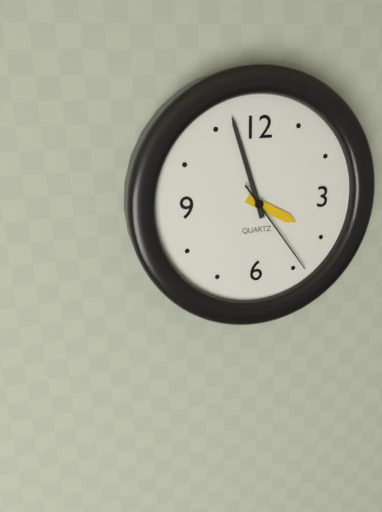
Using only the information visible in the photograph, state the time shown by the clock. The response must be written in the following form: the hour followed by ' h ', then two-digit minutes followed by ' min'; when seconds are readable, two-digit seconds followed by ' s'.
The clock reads 3 h 57 min 24 s
